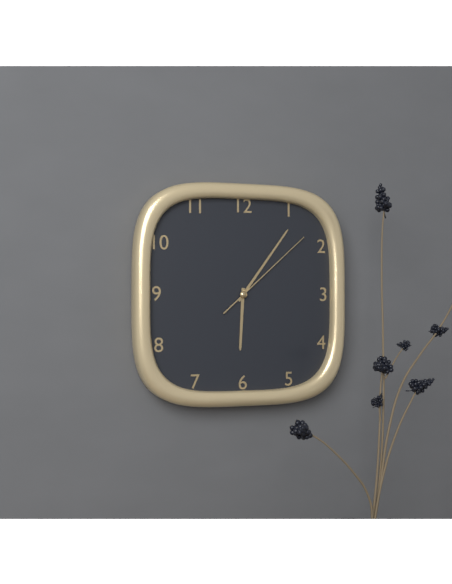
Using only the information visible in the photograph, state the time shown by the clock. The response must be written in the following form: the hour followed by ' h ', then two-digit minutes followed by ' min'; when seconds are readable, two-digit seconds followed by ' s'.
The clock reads 6 h 06 min 08 s
